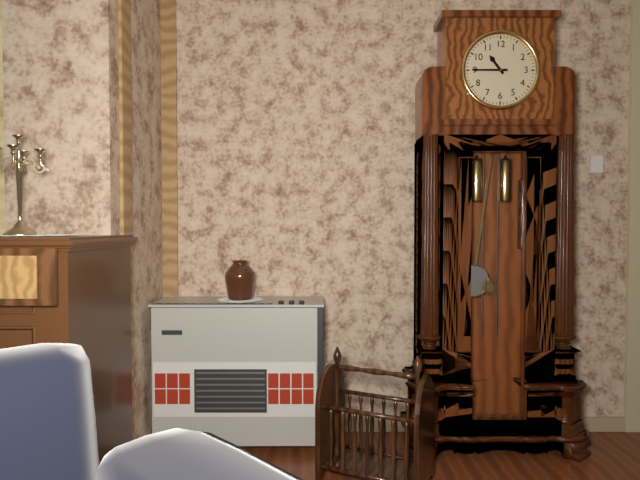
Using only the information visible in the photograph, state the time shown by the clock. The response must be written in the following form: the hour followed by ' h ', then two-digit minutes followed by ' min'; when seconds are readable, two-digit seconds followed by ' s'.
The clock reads 10 h 45 min
